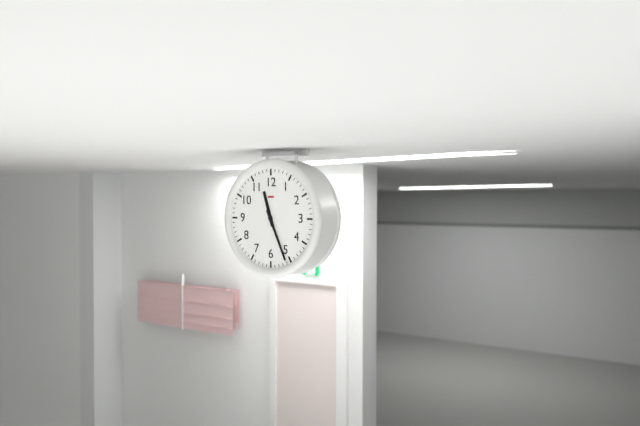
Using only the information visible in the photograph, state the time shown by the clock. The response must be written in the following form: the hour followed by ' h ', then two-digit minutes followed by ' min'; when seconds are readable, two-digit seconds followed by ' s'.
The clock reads 11 h 26 min
